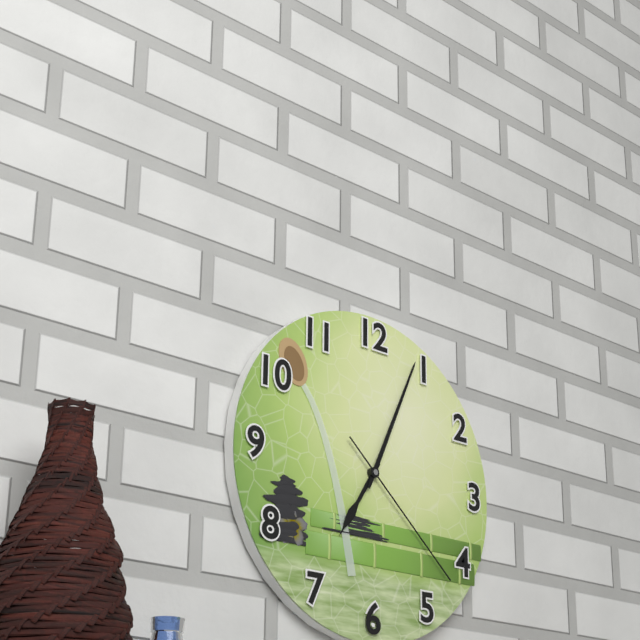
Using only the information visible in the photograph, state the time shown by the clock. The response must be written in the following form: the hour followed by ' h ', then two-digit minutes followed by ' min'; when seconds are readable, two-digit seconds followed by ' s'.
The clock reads 7 h 04 min 22 s
